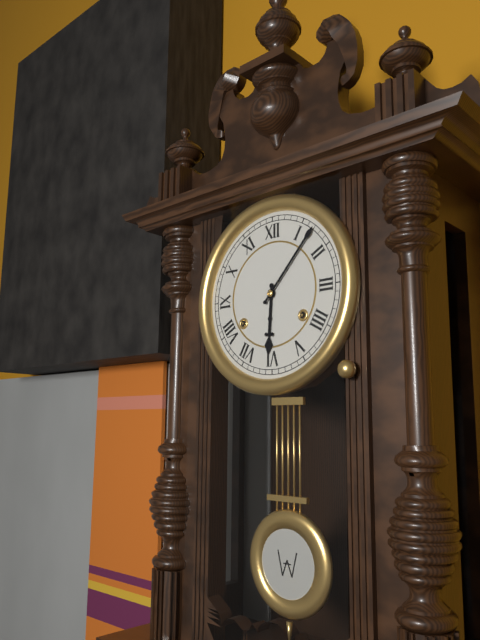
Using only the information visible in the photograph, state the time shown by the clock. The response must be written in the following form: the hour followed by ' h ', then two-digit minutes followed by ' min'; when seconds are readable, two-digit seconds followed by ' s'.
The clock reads 6 h 07 min
